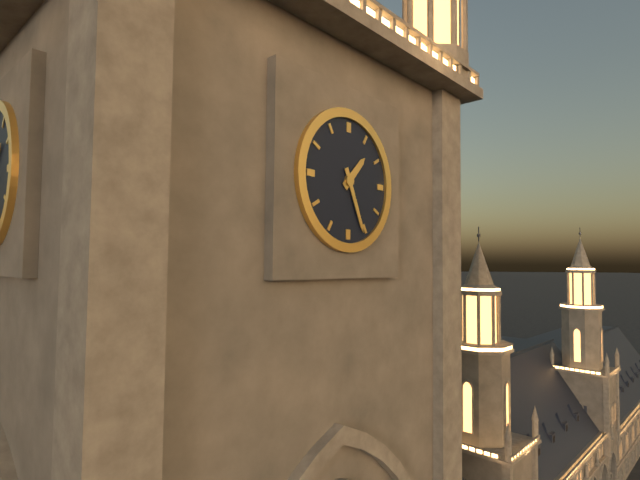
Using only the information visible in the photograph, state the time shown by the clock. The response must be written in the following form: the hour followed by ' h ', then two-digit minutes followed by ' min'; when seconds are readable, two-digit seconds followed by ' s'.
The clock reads 1 h 26 min
